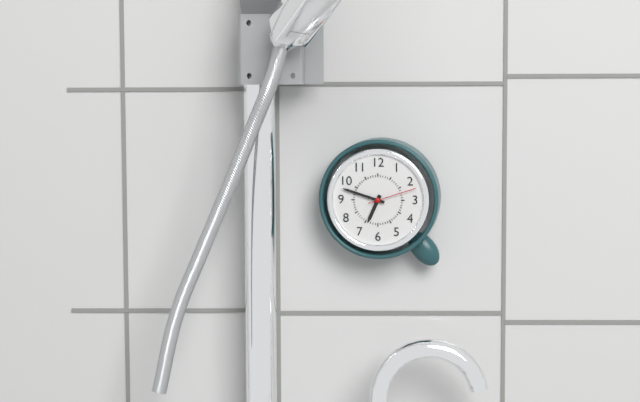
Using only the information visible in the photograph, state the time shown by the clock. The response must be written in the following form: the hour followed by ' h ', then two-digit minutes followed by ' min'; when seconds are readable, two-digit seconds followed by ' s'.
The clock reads 6 h 48 min 12 s
